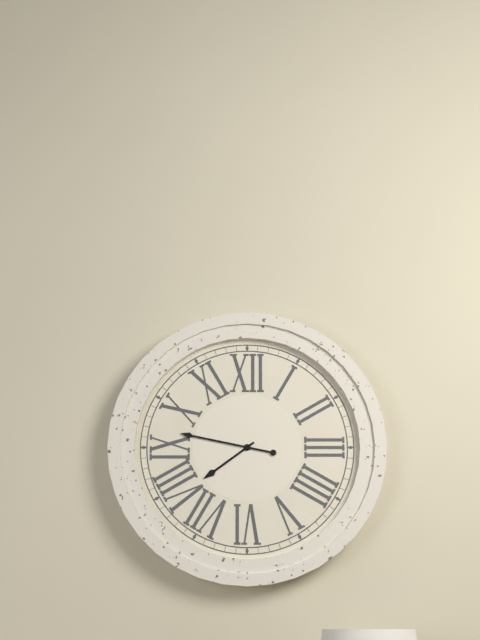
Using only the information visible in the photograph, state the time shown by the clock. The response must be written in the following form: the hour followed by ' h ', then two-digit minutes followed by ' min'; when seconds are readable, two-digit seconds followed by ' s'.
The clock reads 7 h 47 min
